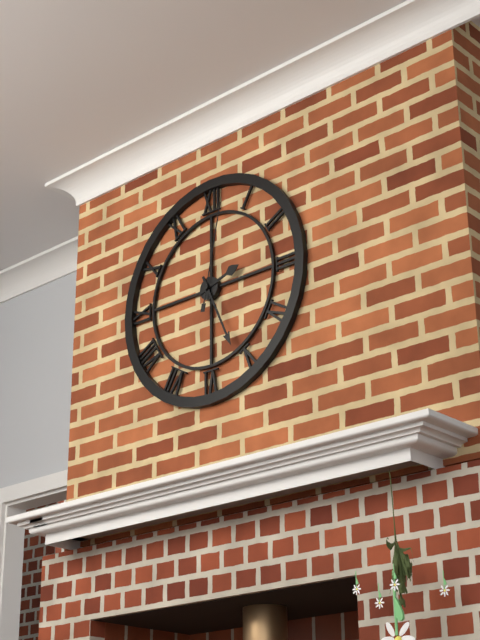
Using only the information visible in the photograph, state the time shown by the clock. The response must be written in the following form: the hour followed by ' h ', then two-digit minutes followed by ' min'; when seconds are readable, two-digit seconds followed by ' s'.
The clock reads 2 h 26 min 02 s
